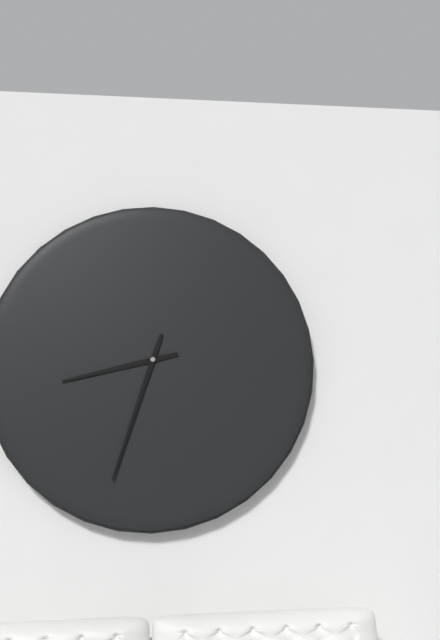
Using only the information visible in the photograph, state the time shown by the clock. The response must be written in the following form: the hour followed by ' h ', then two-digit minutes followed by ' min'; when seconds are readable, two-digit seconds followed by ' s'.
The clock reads 8 h 33 min
